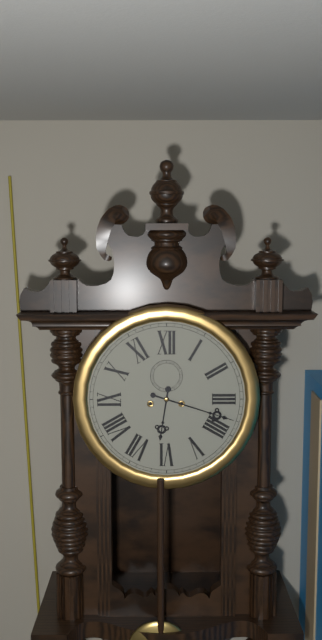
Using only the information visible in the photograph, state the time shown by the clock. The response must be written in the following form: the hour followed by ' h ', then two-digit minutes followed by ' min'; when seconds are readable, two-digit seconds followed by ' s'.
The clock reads 6 h 18 min
